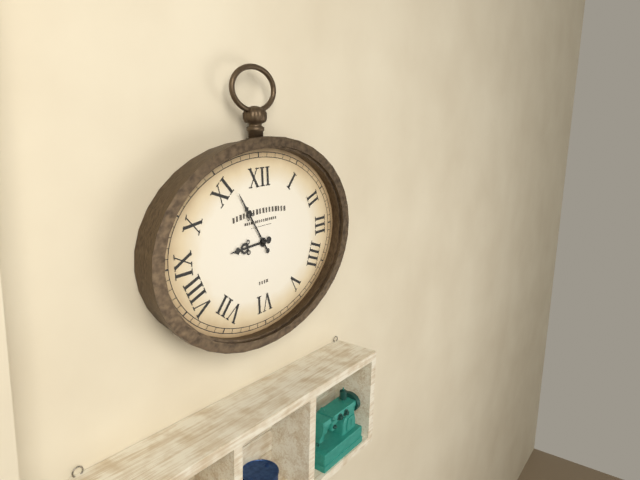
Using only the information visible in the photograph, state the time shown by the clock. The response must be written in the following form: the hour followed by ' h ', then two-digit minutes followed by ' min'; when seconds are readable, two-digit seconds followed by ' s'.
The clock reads 8 h 55 min
